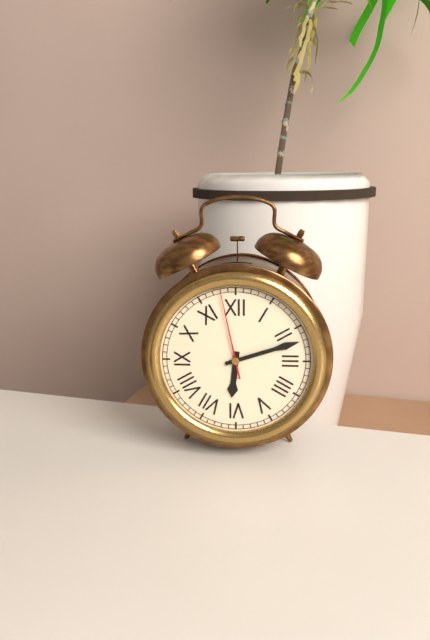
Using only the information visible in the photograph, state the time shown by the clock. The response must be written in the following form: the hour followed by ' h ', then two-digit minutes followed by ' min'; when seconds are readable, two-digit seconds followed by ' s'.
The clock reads 6 h 12 min 58 s
